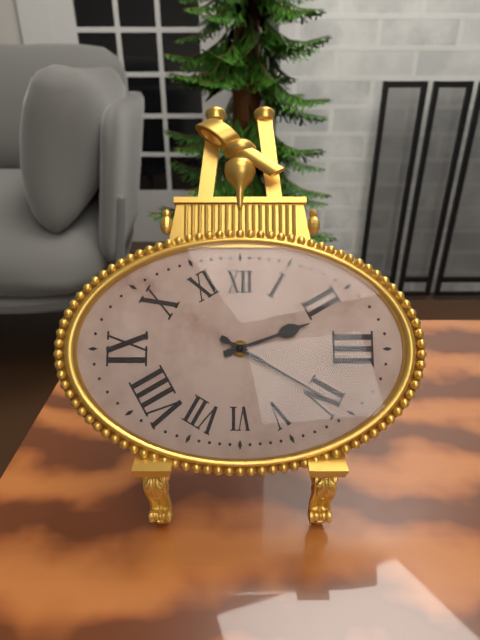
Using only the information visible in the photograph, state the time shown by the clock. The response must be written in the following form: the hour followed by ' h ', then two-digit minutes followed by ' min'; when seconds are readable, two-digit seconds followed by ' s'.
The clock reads 2 h 20 min
